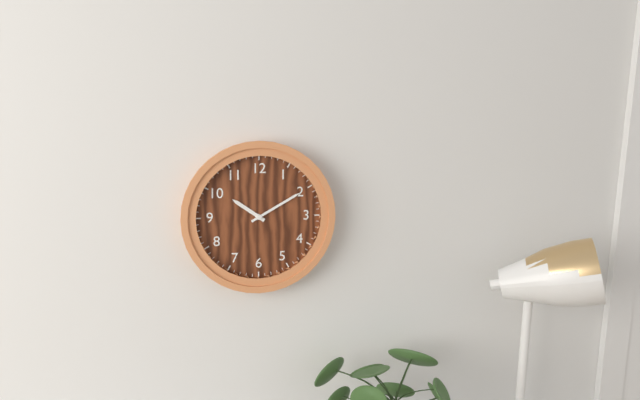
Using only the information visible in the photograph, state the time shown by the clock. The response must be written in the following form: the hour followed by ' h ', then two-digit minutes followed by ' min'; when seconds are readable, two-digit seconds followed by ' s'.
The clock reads 10 h 10 min
